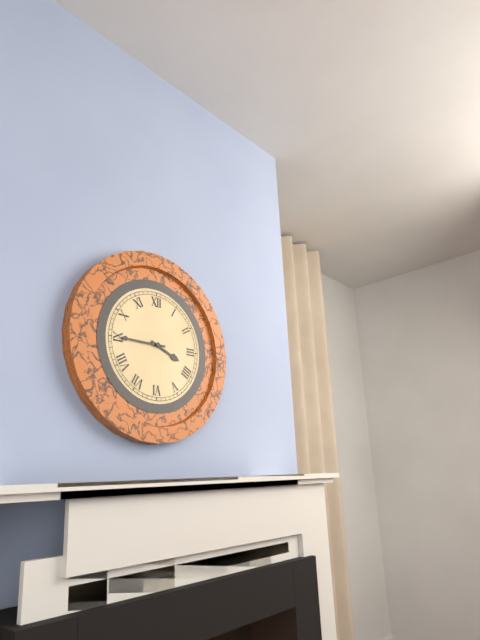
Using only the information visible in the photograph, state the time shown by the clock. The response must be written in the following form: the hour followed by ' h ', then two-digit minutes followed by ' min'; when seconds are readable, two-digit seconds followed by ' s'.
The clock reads 3 h 45 min
